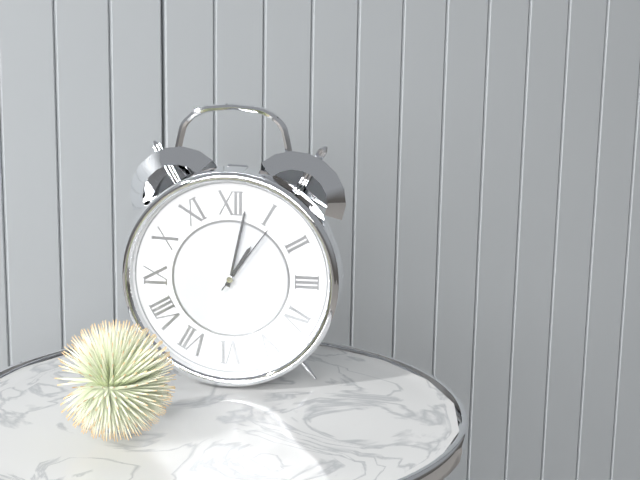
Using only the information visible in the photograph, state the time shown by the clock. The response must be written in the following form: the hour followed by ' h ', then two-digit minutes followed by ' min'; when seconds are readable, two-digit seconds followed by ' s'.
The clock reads 1 h 02 min 06 s
